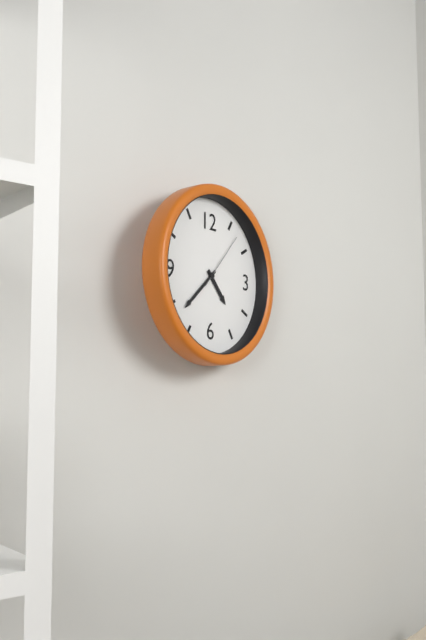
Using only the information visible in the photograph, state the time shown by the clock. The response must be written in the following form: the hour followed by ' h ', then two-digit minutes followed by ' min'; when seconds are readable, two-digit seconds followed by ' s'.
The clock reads 4 h 38 min 07 s
